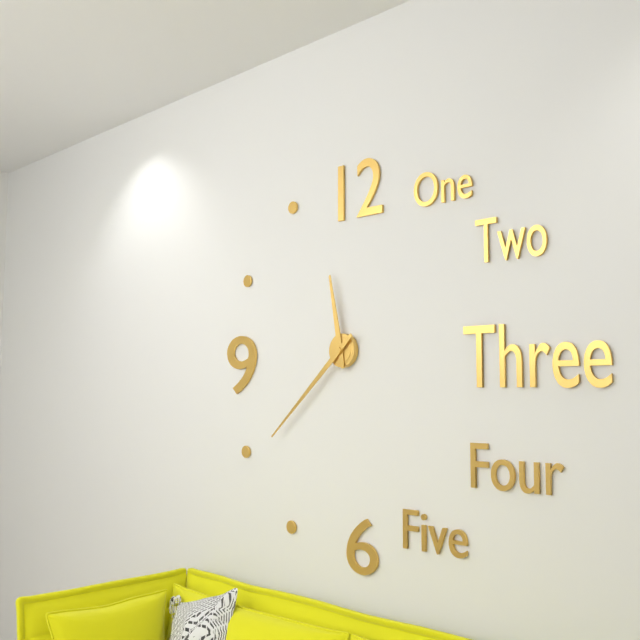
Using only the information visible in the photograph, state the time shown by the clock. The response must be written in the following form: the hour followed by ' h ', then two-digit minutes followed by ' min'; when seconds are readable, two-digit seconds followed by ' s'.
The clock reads 11 h 38 min
